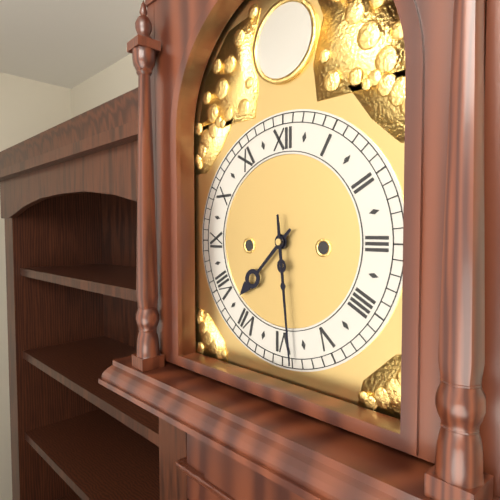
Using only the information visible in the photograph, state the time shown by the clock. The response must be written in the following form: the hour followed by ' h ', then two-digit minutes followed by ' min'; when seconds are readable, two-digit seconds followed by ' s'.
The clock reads 7 h 29 min
